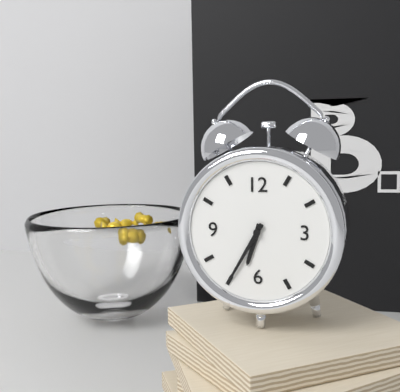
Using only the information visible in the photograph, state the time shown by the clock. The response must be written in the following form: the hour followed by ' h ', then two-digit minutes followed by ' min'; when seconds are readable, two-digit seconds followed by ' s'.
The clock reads 6 h 35 min
